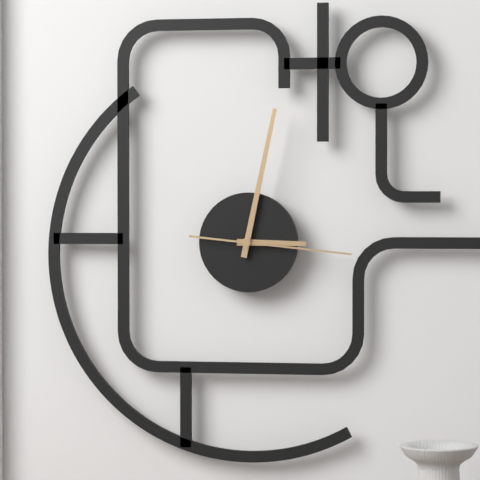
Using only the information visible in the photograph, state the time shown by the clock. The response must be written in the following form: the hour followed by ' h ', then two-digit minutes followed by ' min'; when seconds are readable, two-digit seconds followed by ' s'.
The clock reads 3 h 02 min 16 s
